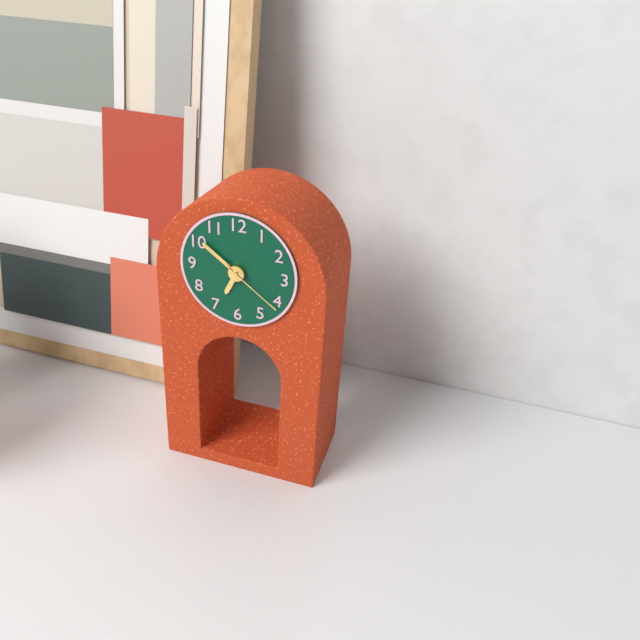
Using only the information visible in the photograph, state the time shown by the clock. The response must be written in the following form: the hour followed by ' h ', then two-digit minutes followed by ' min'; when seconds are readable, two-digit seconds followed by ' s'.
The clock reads 6 h 51 min 21 s
